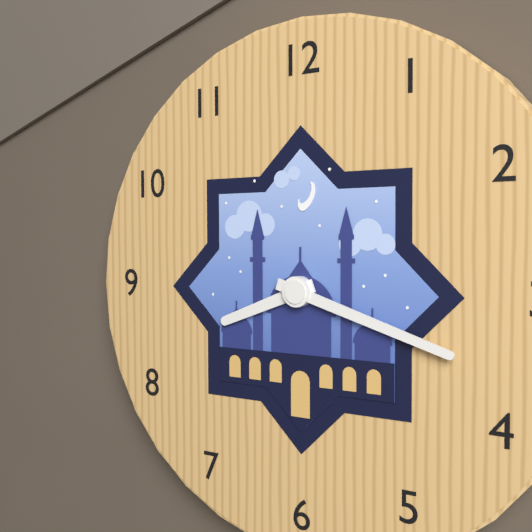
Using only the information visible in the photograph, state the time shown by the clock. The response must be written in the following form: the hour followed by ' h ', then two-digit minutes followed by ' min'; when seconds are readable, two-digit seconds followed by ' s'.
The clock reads 8 h 18 min
